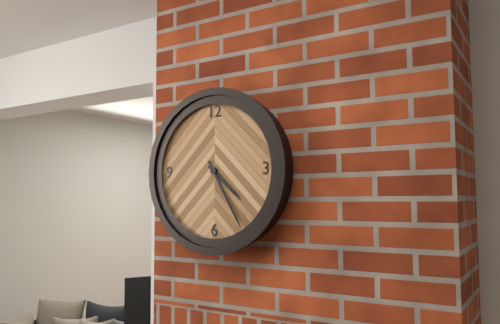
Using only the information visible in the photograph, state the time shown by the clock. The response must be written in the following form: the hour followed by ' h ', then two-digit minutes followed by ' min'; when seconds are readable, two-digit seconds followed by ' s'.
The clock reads 4 h 25 min
